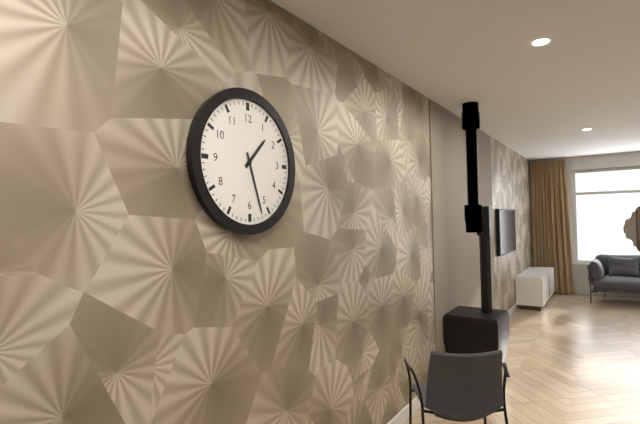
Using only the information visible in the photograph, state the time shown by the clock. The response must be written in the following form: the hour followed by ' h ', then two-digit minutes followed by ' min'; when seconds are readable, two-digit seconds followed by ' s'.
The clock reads 1 h 27 min
